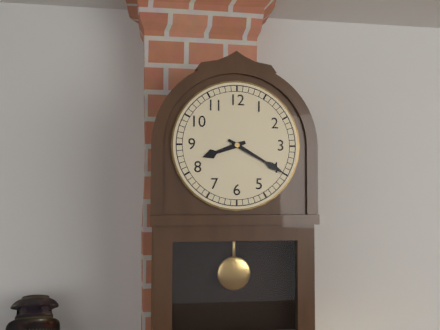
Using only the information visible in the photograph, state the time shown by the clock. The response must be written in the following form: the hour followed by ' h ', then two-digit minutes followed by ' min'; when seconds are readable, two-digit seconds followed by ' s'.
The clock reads 8 h 20 min
